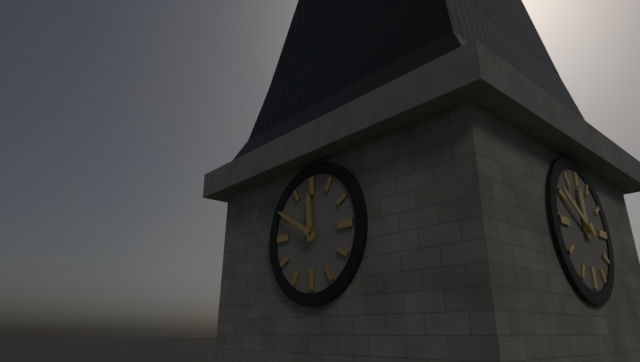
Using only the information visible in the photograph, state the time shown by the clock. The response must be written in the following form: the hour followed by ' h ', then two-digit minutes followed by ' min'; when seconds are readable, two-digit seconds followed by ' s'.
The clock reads 11 h 50 min
